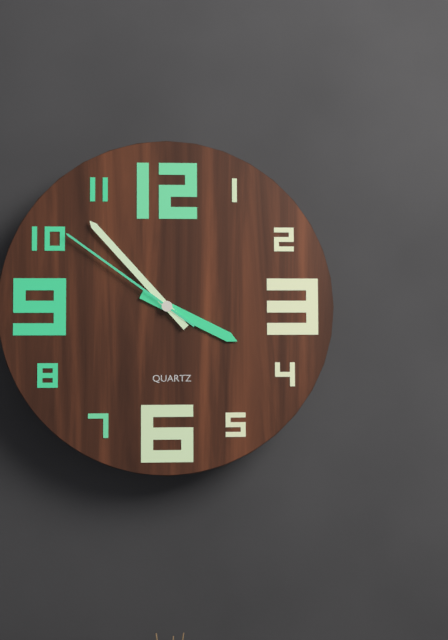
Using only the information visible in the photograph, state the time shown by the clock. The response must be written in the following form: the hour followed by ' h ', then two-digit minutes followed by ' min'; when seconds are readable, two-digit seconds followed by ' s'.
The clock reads 3 h 53 min 51 s
